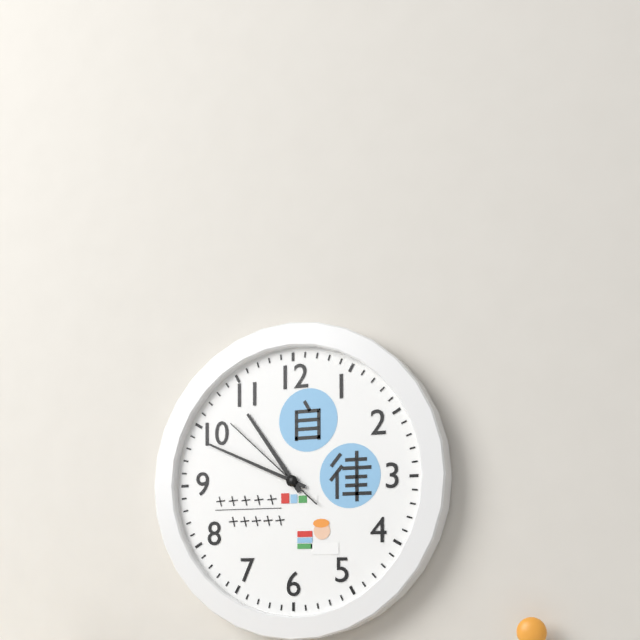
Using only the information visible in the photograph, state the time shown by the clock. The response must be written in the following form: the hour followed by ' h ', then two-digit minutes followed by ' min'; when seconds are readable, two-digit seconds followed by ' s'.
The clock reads 10 h 49 min 52 s
